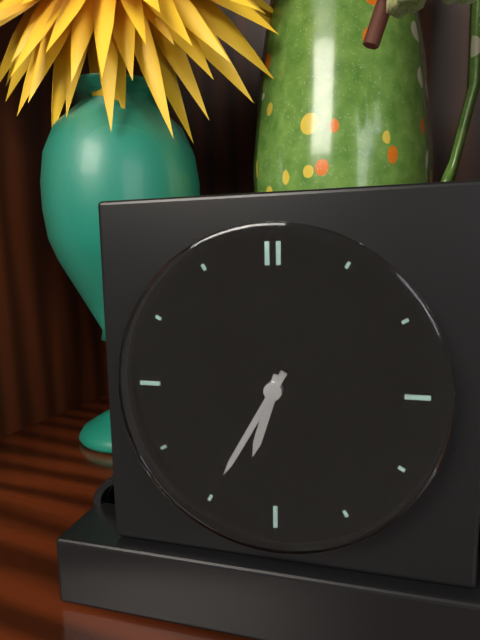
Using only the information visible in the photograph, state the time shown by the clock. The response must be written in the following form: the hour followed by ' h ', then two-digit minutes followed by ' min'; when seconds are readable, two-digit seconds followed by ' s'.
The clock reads 6 h 35 min
